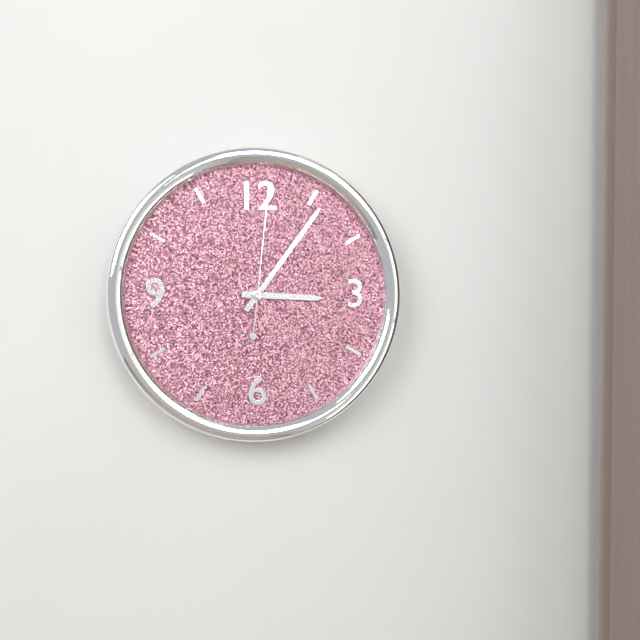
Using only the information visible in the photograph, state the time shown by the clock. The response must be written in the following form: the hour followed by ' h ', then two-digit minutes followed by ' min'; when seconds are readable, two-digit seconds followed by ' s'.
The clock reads 3 h 06 min 01 s
